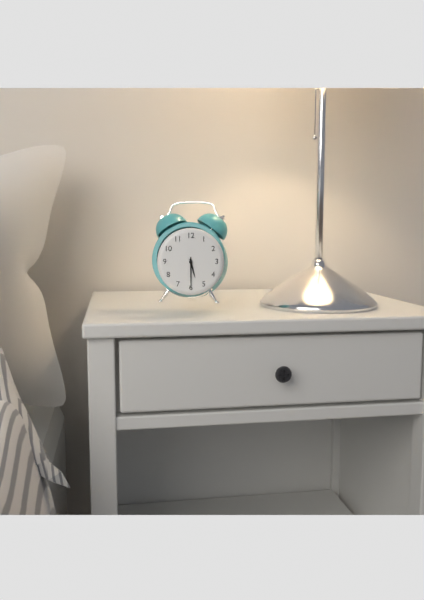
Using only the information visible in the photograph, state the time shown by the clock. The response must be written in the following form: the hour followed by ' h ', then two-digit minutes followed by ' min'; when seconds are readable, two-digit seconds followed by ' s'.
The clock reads 5 h 30 min
